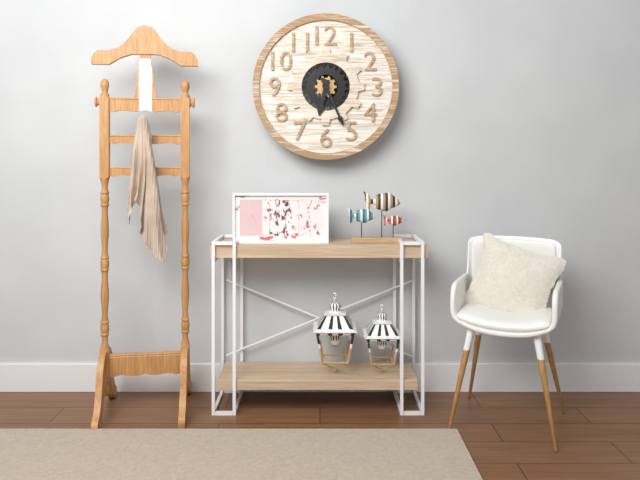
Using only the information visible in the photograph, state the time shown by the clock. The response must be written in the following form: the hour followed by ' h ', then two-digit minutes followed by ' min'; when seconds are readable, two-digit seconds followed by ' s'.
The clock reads 6 h 26 min
